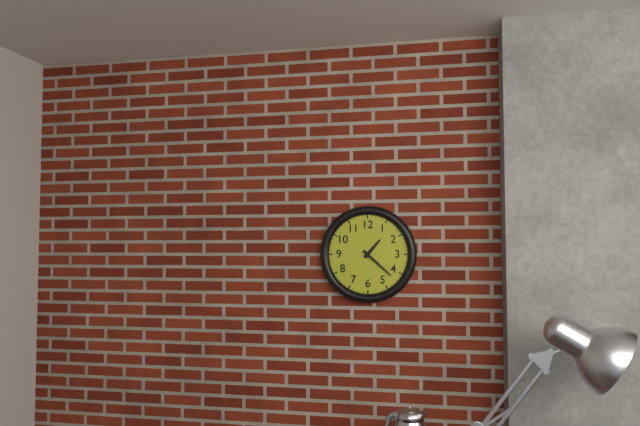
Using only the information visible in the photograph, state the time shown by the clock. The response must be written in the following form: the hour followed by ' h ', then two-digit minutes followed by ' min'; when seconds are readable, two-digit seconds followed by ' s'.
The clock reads 1 h 22 min
